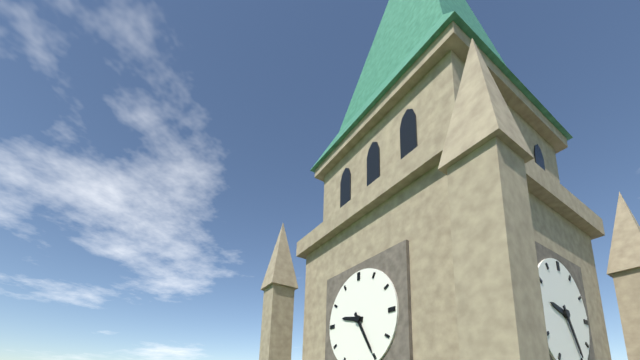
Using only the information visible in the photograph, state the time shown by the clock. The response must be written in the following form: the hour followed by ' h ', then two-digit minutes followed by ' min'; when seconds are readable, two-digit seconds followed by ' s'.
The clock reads 9 h 25 min
